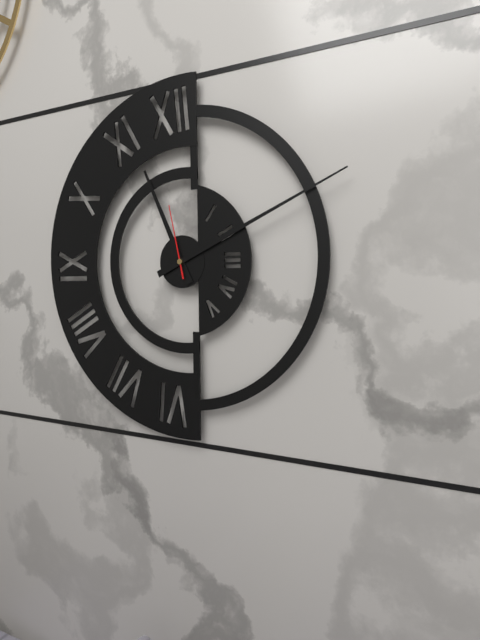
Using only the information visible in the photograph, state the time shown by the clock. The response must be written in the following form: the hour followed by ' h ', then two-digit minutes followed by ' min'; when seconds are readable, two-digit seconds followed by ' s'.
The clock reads 11 h 11 min 58 s
